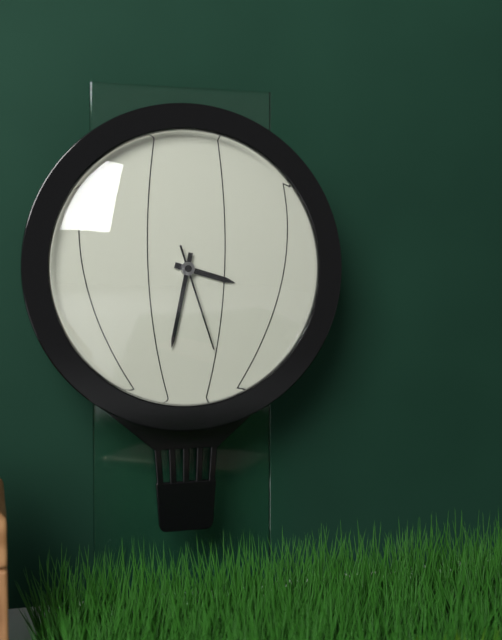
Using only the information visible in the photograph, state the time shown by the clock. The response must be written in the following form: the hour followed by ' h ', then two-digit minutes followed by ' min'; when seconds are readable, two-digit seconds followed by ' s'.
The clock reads 3 h 32 min 27 s
